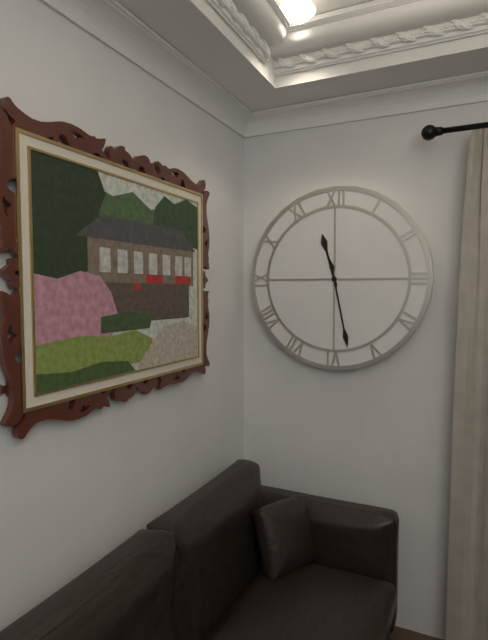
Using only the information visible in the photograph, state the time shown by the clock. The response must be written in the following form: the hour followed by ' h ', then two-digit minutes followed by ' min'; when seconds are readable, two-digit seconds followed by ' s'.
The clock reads 11 h 28 min
